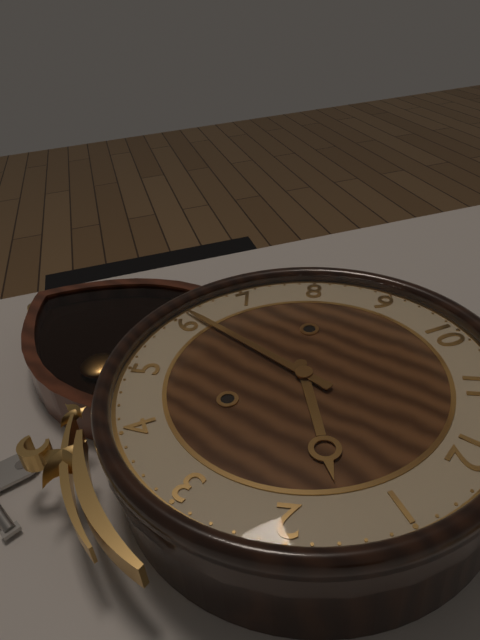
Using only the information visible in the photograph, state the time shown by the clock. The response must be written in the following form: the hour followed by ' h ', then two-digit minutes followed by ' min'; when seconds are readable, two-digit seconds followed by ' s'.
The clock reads 1 h 31 min
